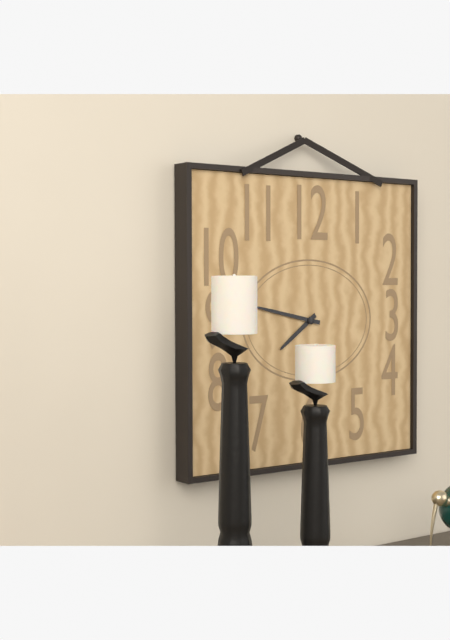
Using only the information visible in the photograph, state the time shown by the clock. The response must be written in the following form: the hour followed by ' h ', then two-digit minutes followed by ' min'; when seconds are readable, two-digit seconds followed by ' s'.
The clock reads 7 h 47 min
